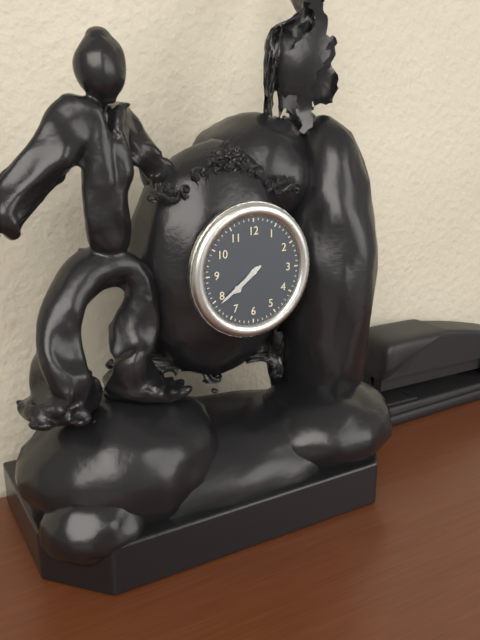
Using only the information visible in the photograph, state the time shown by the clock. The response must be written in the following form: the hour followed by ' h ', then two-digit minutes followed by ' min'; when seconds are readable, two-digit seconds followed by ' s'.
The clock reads 7 h 39 min
